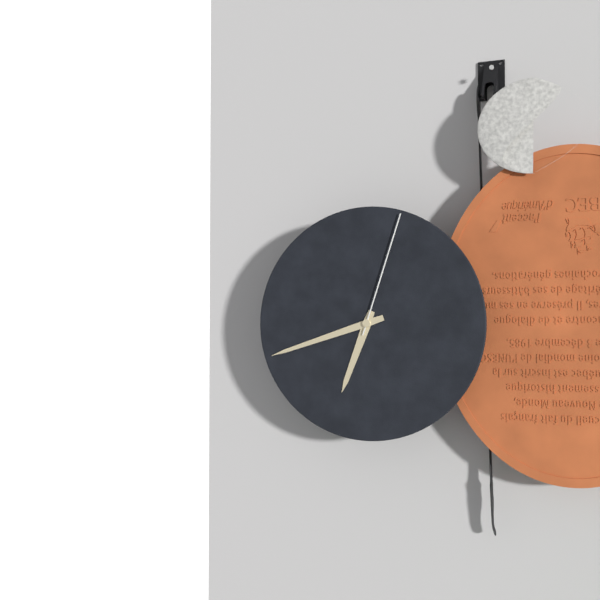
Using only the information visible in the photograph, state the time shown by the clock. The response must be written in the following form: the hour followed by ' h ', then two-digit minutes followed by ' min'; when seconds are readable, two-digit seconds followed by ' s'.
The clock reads 6 h 42 min 03 s
